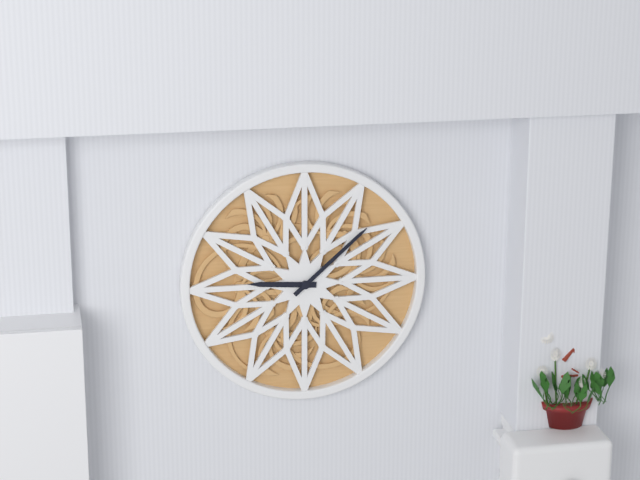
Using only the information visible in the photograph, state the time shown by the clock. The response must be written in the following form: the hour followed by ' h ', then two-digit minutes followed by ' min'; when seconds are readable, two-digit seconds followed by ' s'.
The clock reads 9 h 08 min
